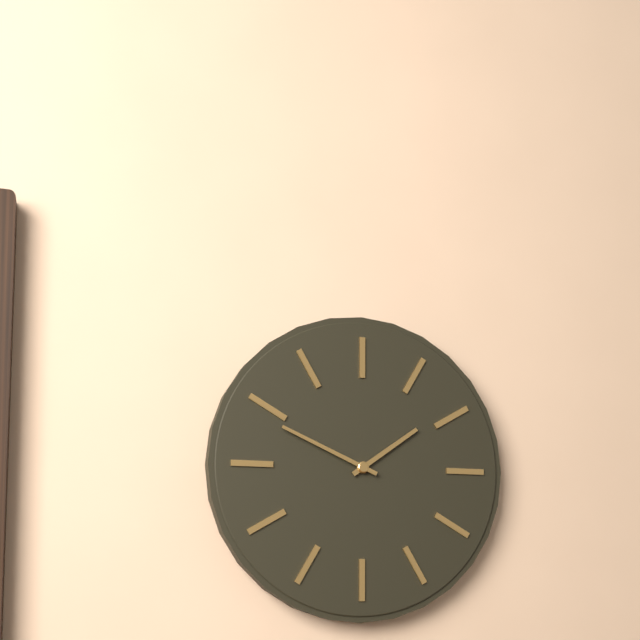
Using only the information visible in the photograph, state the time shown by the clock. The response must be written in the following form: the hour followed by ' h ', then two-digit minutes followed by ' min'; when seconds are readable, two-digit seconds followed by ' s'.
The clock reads 1 h 49 min
